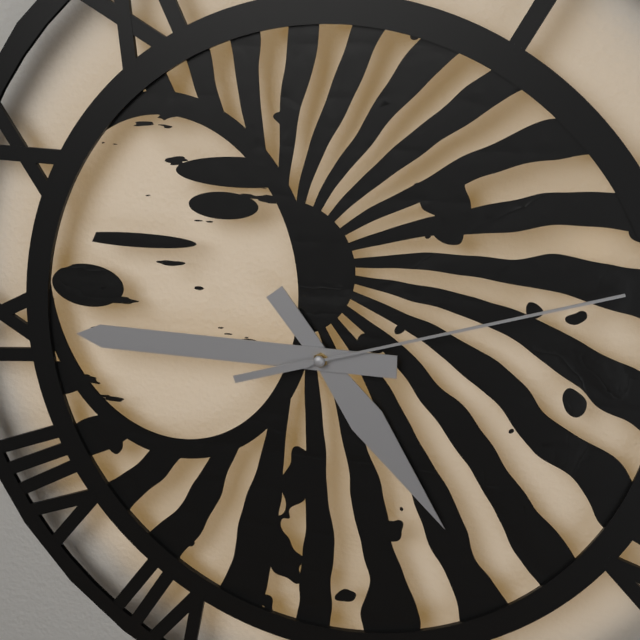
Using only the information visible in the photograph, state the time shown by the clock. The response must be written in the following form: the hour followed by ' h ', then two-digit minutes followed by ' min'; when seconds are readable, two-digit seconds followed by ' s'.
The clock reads 4 h 45 min 12 s
